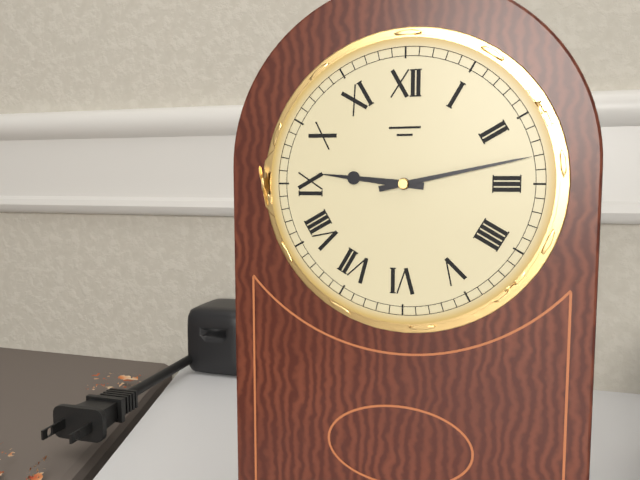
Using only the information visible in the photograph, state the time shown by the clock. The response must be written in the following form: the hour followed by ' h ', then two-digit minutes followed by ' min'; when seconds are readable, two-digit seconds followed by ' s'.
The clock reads 9 h 13 min
